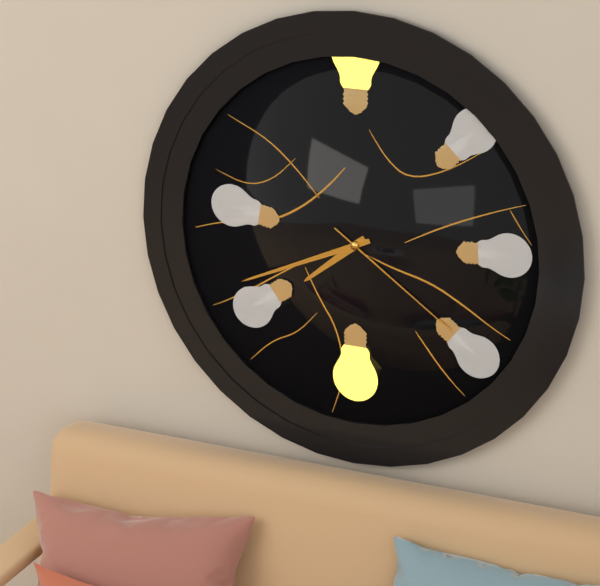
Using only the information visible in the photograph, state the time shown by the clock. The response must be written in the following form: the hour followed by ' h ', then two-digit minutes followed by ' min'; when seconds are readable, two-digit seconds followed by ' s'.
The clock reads 7 h 41 min 21 s
